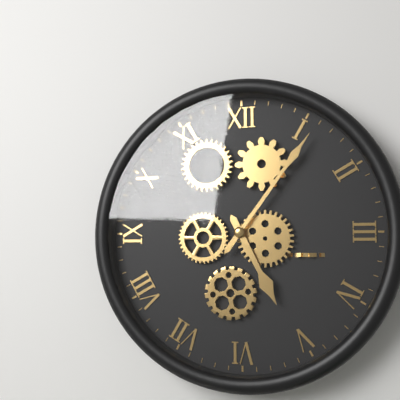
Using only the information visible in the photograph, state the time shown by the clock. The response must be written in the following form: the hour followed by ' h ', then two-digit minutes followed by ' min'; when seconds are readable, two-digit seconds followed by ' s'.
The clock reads 5 h 06 min
